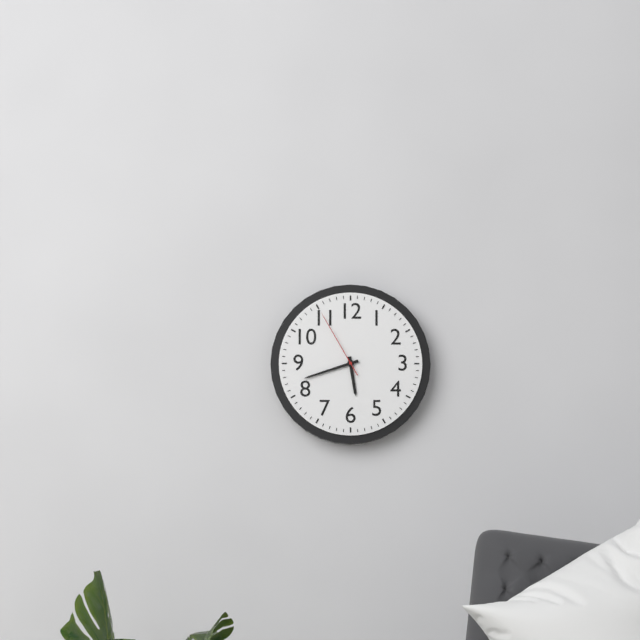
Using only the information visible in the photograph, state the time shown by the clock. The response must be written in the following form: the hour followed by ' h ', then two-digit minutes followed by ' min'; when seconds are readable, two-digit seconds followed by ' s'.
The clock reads 5 h 42 min 55 s
